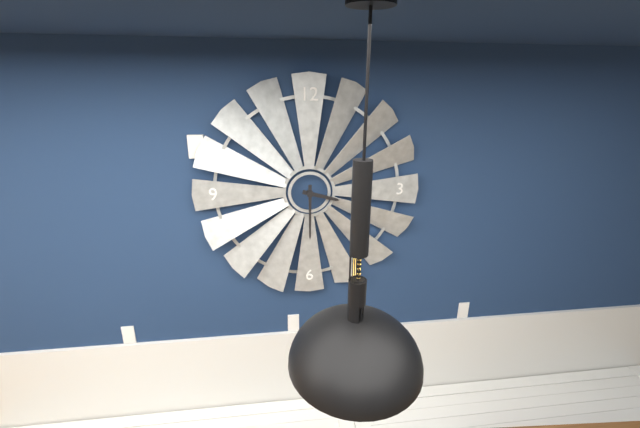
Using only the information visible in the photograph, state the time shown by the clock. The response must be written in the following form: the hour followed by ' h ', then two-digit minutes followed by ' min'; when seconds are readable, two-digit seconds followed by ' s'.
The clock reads 3 h 30 min
